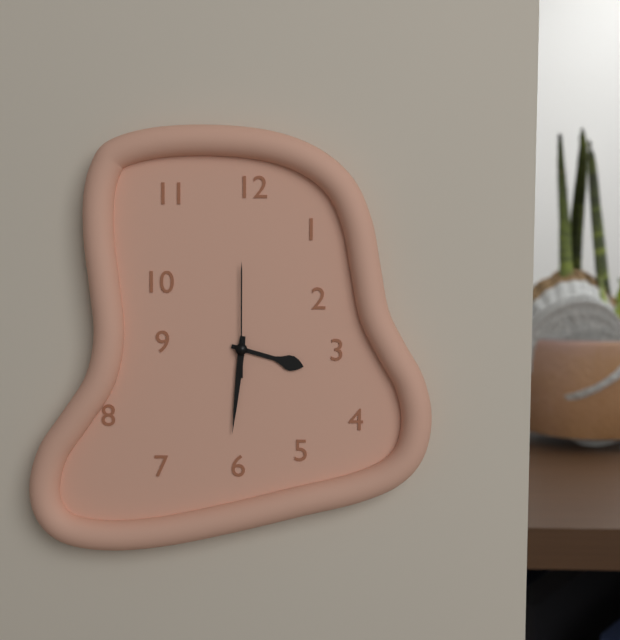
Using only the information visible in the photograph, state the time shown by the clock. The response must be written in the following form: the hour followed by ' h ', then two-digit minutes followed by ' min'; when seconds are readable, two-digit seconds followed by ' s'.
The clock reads 3 h 31 min 00 s
